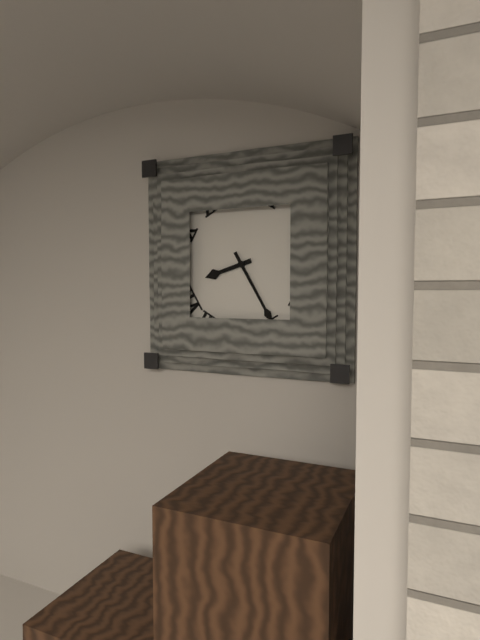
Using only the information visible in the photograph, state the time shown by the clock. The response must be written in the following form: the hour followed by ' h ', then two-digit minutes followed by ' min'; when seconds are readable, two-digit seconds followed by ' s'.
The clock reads 8 h 25 min
